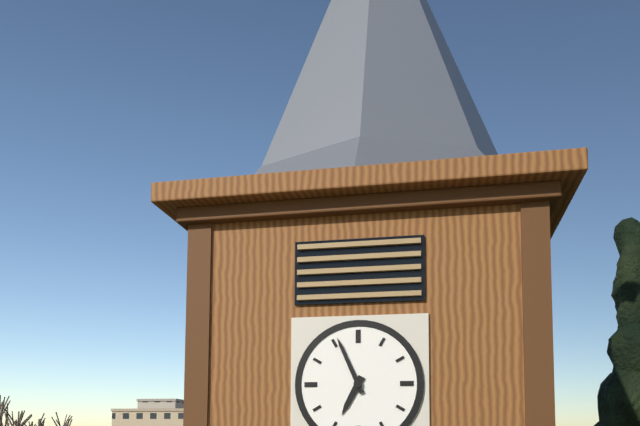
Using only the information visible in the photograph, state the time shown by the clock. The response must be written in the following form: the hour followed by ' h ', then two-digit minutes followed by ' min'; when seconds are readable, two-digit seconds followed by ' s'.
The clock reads 6 h 56 min
